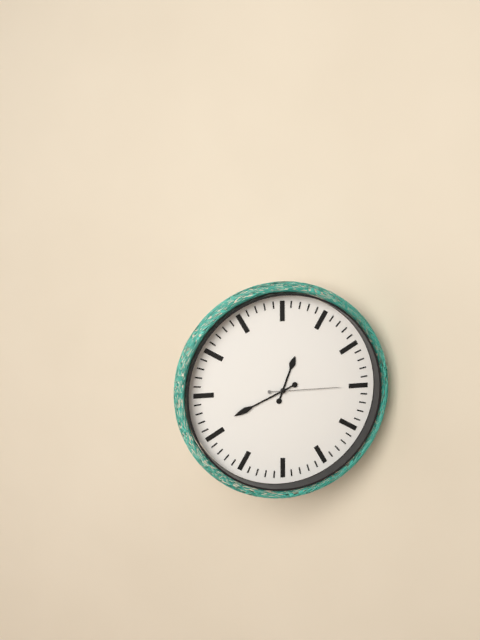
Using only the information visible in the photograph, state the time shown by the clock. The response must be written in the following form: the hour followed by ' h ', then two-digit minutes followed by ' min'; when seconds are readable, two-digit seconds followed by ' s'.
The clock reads 12 h 41 min 15 s
